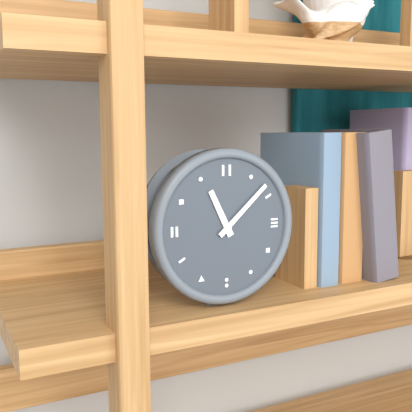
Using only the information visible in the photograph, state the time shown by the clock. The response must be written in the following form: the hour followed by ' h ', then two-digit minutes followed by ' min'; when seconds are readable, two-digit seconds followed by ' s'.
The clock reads 11 h 08 min
